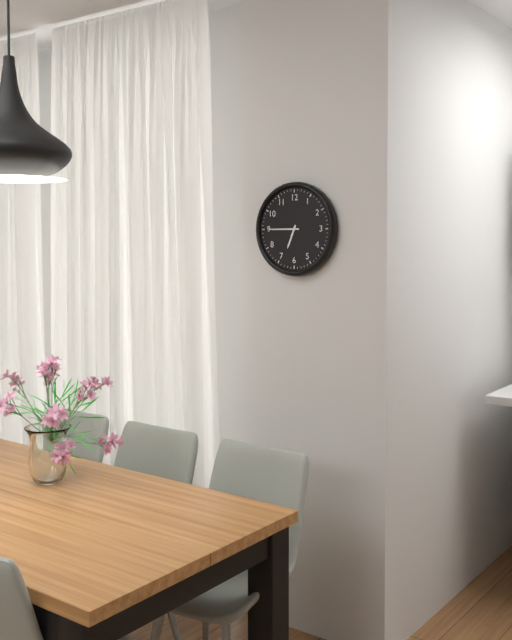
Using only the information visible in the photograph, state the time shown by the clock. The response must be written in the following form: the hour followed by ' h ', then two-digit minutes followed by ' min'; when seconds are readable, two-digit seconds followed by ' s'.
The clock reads 6 h 45 min
